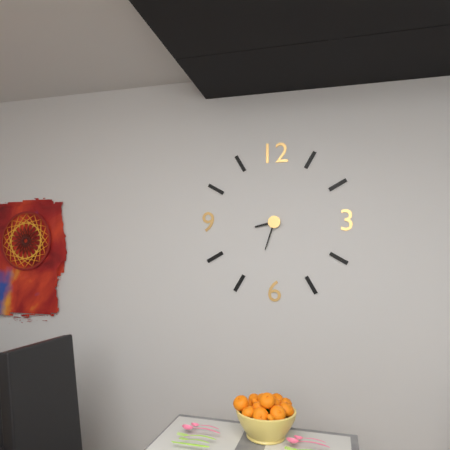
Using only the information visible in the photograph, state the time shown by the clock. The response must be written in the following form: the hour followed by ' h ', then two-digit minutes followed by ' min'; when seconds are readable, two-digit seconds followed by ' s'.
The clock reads 8 h 33 min
